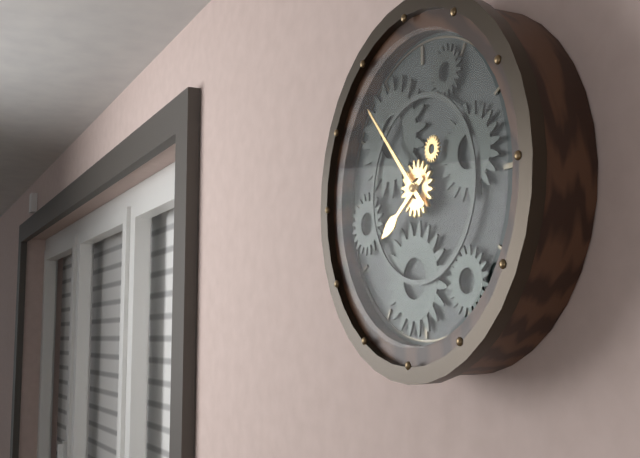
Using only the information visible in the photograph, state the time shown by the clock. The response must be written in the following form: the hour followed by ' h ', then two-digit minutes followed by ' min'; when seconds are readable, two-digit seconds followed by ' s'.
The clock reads 7 h 53 min
